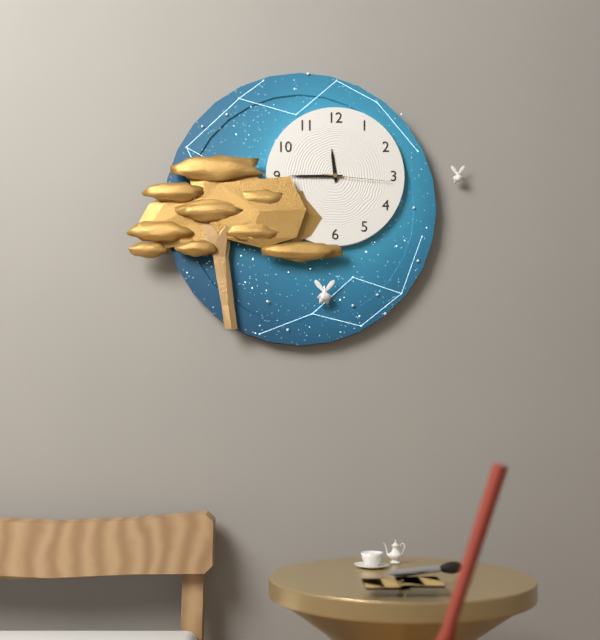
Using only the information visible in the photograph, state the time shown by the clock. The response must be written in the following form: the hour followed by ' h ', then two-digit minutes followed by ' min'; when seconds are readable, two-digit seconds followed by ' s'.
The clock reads 11 h 45 min 16 s
